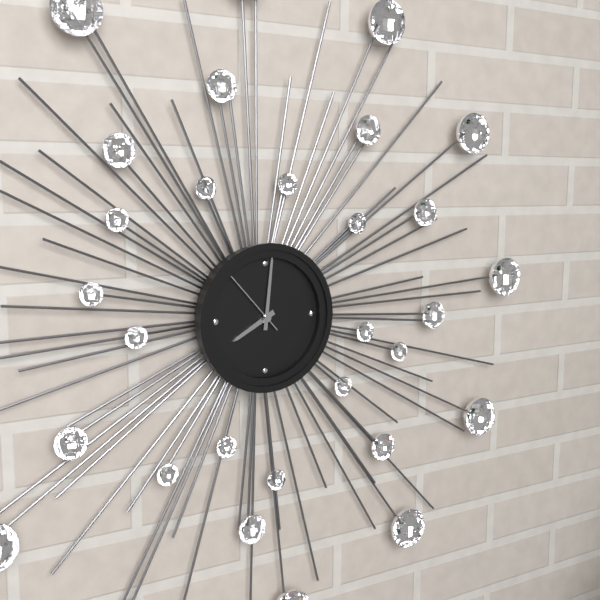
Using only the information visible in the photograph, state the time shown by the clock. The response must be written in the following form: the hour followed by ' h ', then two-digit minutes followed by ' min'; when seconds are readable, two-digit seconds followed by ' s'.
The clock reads 8 h 01 min 53 s
